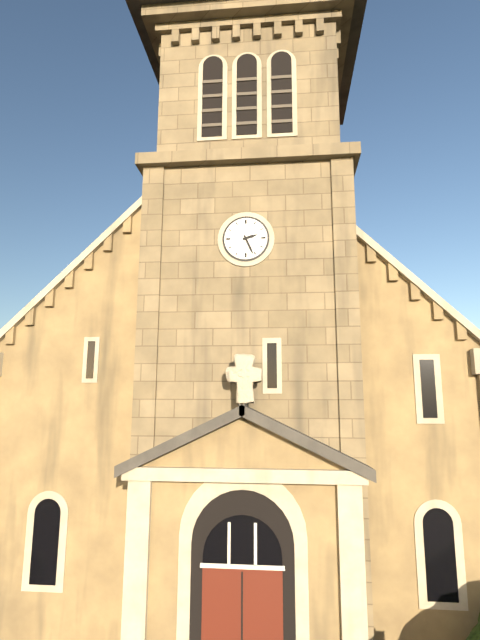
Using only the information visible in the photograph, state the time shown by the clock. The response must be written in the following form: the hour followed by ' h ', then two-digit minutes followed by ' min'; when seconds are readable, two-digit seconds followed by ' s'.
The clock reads 2 h 26 min
